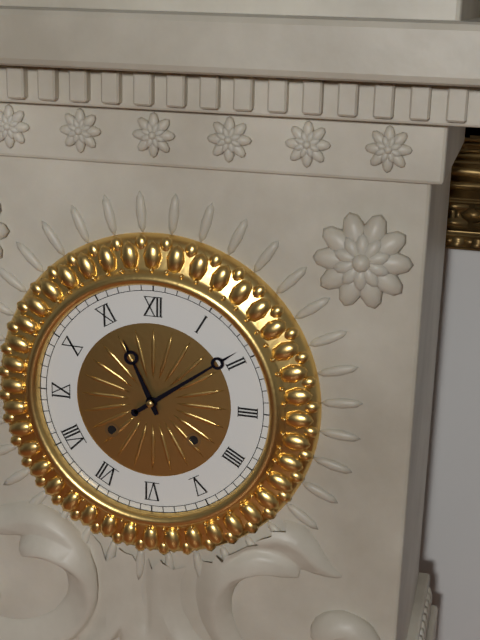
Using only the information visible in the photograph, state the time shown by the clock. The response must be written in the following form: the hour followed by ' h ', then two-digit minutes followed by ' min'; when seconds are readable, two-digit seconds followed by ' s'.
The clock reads 11 h 09 min
